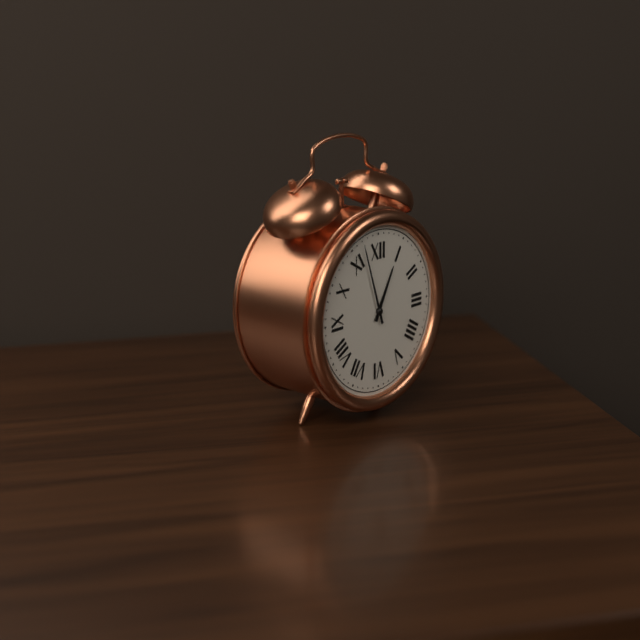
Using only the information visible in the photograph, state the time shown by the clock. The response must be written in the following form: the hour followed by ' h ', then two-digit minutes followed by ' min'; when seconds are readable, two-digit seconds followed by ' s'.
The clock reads 12 h 57 min
